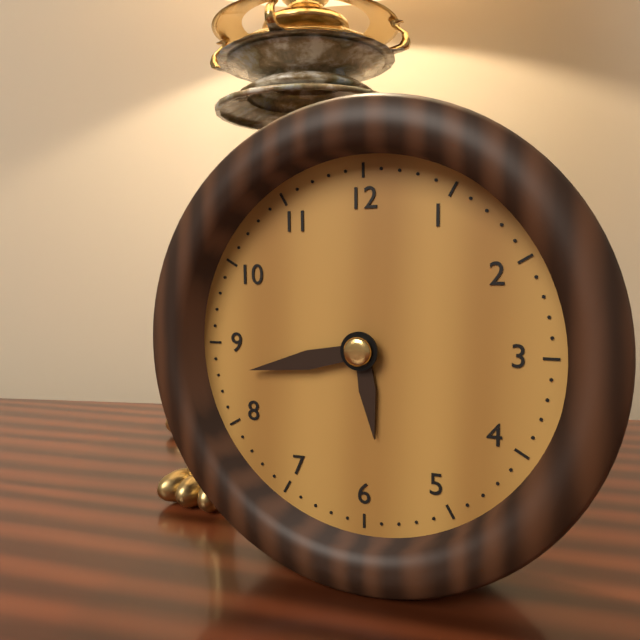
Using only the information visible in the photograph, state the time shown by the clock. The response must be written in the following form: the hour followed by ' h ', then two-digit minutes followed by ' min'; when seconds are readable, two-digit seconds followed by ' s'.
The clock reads 5 h 43 min
